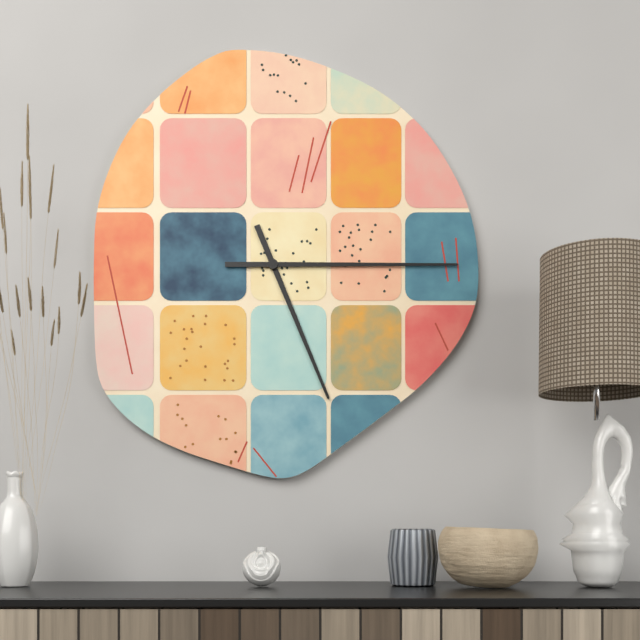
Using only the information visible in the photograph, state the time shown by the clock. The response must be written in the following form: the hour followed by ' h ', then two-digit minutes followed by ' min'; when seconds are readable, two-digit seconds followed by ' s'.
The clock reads 5 h 15 min
